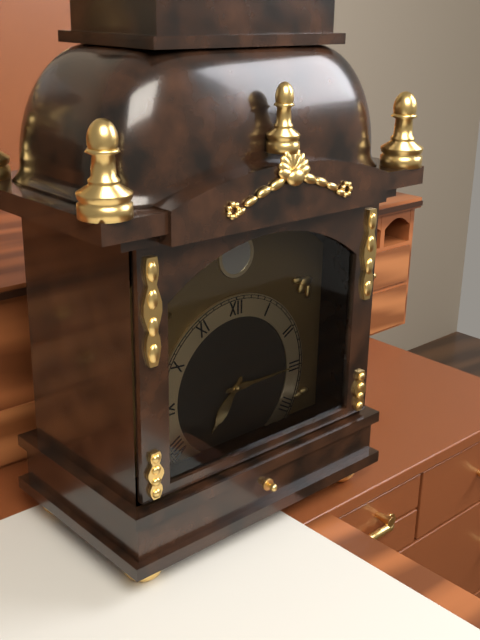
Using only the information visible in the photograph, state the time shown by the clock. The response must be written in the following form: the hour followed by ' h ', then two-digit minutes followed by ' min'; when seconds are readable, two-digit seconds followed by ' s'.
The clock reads 7 h 15 min
